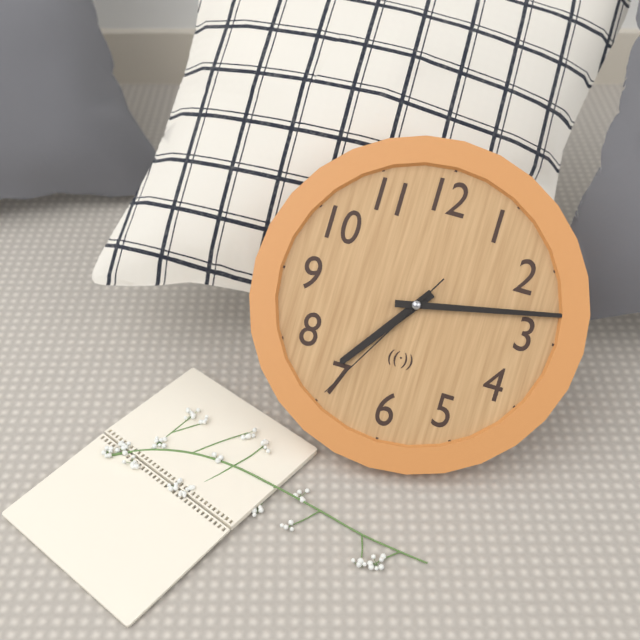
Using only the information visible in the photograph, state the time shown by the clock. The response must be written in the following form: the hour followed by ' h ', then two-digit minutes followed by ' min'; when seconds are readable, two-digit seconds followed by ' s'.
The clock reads 7 h 13 min 35 s
